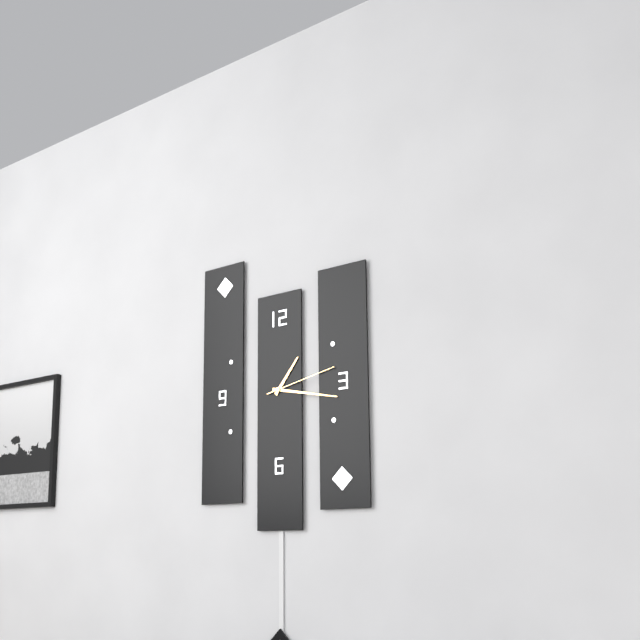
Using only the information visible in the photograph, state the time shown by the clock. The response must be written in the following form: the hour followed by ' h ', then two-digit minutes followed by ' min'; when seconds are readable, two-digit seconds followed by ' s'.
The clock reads 1 h 17 min 13 s
